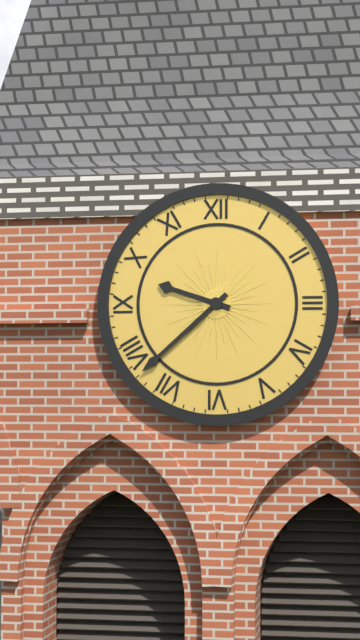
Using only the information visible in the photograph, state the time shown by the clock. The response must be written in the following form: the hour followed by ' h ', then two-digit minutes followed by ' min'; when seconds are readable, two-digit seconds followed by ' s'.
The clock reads 9 h 38 min
